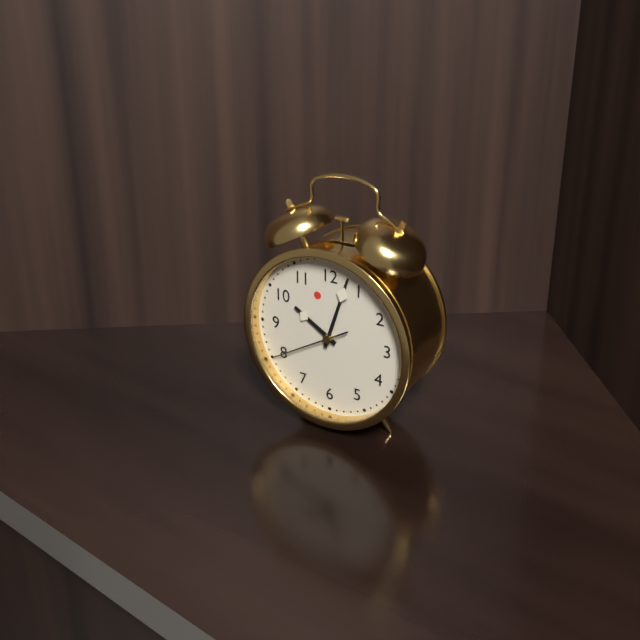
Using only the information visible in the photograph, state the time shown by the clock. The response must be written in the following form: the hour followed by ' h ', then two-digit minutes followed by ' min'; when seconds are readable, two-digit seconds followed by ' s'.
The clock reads 10 h 03 min 40 s
